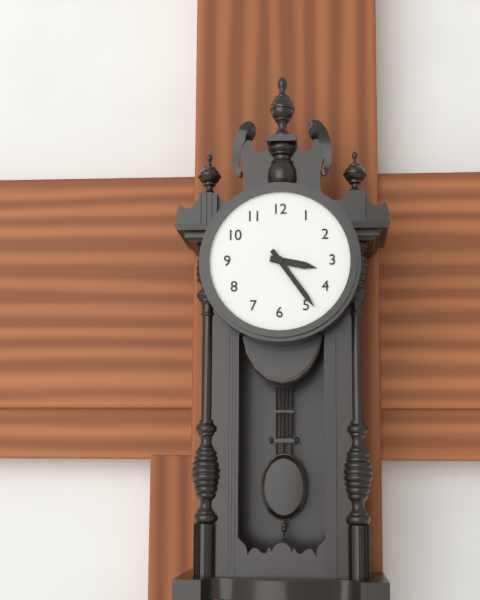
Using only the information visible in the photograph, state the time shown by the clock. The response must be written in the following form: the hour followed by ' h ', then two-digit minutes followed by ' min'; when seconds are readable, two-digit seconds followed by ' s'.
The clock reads 3 h 24 min
